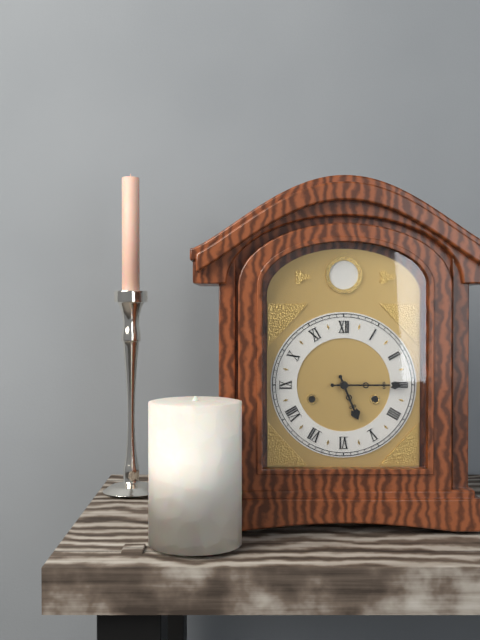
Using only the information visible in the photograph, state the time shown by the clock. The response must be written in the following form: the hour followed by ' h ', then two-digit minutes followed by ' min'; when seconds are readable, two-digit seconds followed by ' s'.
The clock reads 5 h 15 min
